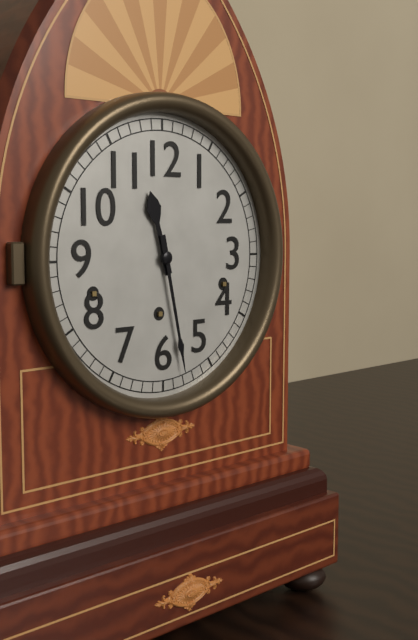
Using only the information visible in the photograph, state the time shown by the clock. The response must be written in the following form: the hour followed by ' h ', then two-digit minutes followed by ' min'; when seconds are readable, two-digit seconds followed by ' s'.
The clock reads 11 h 28 min
